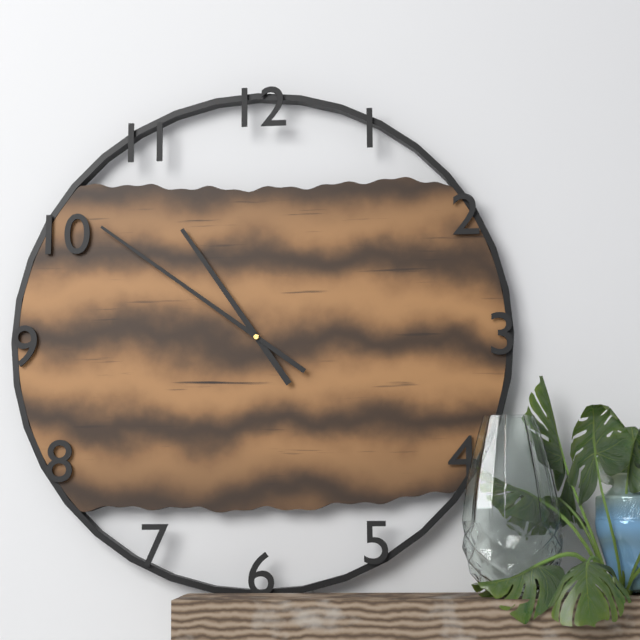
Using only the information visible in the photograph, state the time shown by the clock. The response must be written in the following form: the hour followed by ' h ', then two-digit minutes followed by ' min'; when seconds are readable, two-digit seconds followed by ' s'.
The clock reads 10 h 51 min
